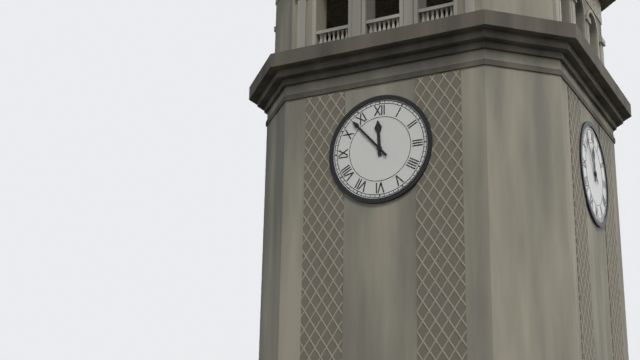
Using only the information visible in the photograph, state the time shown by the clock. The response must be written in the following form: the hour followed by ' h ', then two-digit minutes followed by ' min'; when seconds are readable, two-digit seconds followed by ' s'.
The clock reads 11 h 53 min
